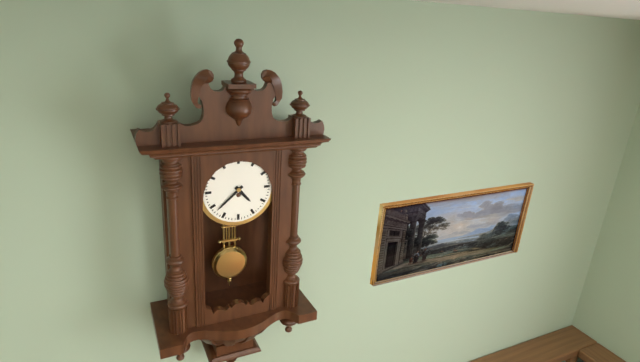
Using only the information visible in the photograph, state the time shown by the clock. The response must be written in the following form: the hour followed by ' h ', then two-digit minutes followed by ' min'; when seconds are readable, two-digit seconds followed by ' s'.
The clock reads 4 h 38 min
